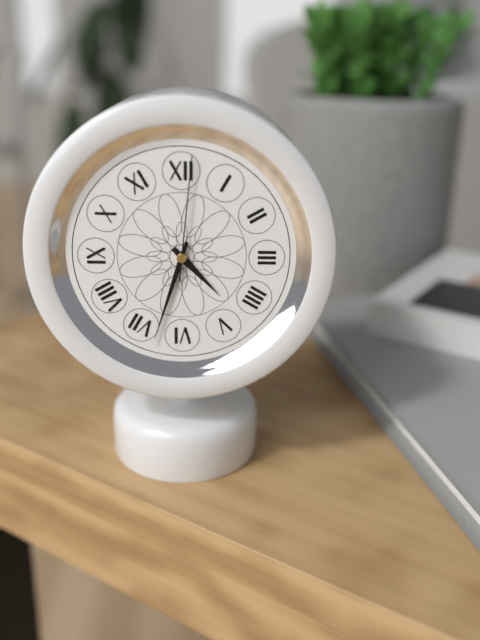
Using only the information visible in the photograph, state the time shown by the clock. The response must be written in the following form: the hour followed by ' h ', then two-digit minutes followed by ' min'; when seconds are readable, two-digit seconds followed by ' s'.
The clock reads 4 h 33 min 01 s
